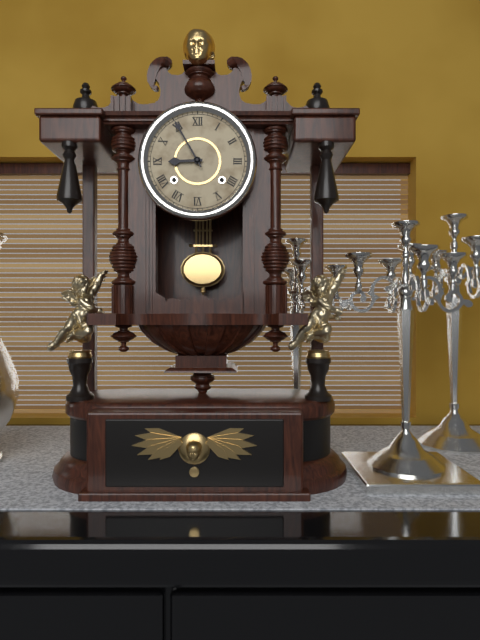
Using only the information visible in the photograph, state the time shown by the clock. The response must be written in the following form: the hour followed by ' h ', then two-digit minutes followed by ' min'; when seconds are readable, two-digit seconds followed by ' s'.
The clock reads 8 h 55 min
